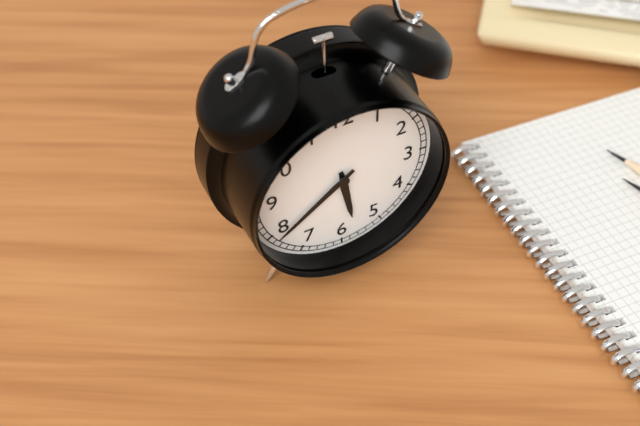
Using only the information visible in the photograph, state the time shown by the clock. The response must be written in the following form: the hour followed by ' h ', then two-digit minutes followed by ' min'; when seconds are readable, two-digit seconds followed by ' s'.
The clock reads 5 h 39 min
